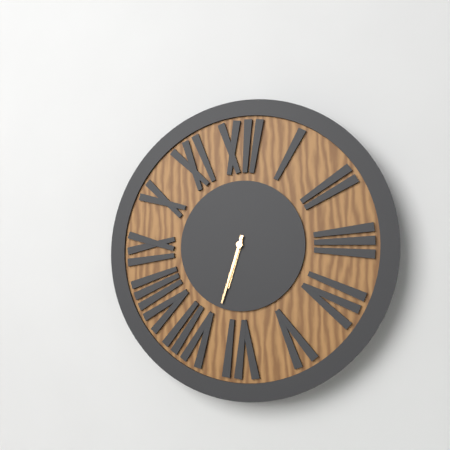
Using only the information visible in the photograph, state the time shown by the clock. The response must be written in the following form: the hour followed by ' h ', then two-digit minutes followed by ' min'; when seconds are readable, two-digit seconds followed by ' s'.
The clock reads 6 h 33 min
